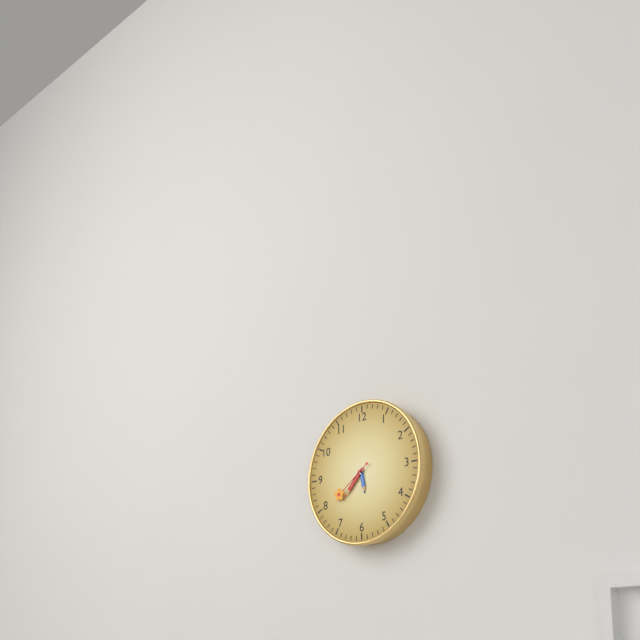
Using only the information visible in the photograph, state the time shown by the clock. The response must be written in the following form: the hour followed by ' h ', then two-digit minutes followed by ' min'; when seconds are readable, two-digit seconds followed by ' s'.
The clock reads 5 h 37 min 39 s
